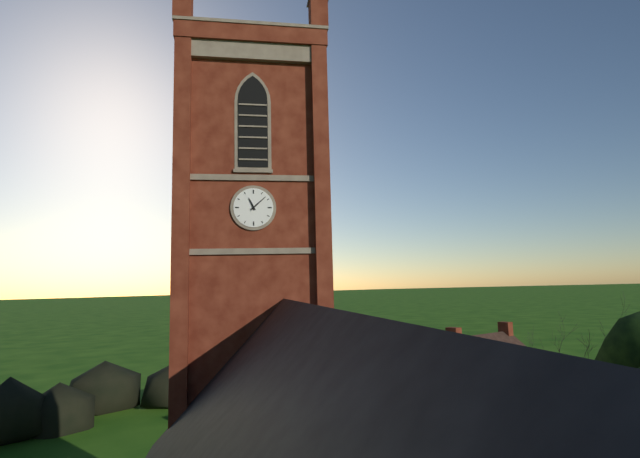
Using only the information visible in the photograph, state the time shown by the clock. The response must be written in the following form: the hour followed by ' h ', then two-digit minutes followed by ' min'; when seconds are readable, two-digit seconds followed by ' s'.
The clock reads 11 h 08 min
